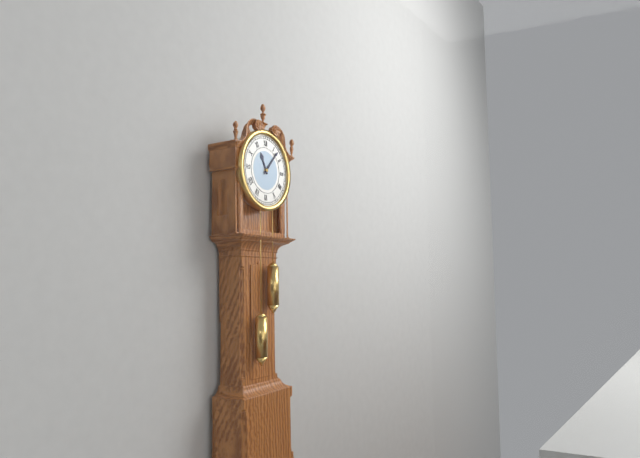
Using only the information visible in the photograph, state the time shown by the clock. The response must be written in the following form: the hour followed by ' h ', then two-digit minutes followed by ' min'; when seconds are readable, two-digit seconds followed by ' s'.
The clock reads 11 h 07 min
